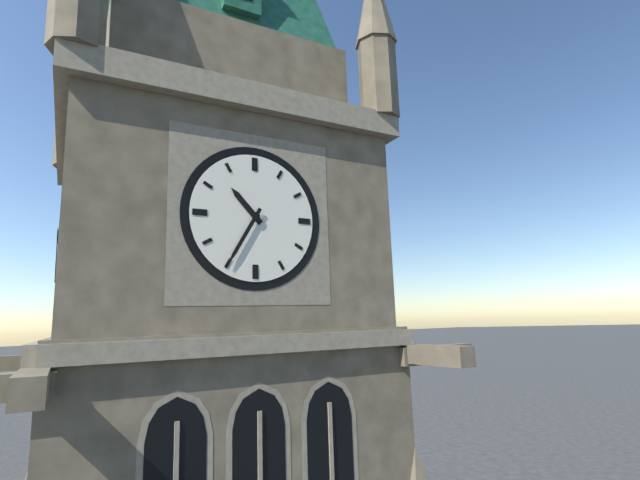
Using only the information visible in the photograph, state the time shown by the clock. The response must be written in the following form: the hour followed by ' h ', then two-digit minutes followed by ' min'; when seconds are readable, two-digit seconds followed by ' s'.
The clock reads 10 h 35 min
